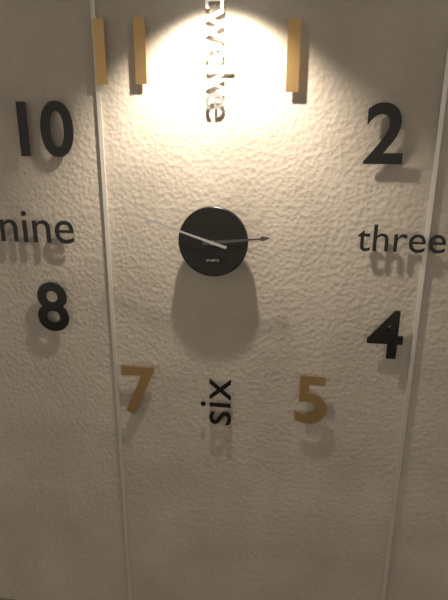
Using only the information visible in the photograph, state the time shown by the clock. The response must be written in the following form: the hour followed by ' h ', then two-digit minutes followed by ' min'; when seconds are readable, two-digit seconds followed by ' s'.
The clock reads 2 h 48 min
